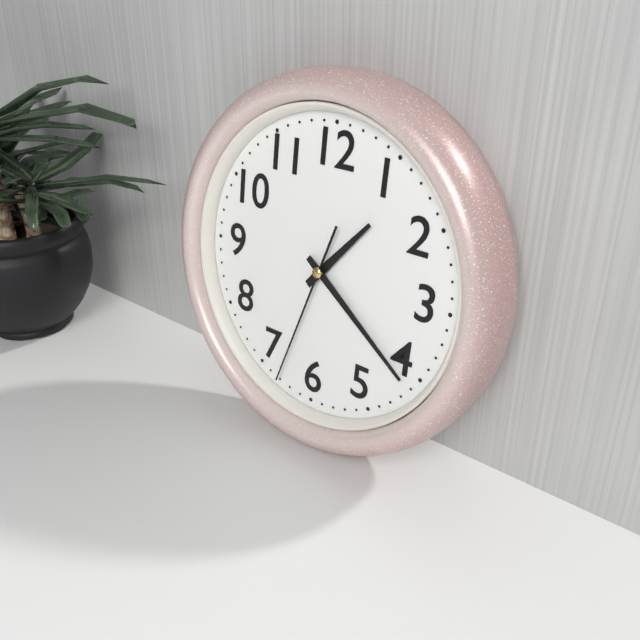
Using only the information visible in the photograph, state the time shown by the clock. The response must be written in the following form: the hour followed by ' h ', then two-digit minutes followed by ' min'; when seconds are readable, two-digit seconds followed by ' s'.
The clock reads 1 h 21 min 33 s
